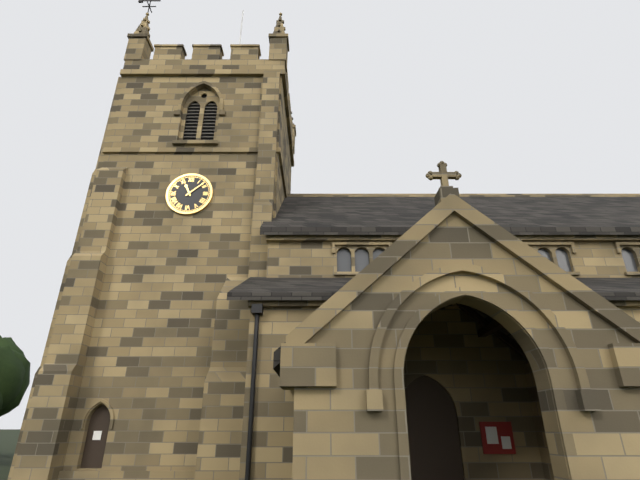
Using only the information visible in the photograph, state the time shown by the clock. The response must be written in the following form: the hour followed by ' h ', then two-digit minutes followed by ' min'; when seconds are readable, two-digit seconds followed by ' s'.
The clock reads 11 h 08 min
